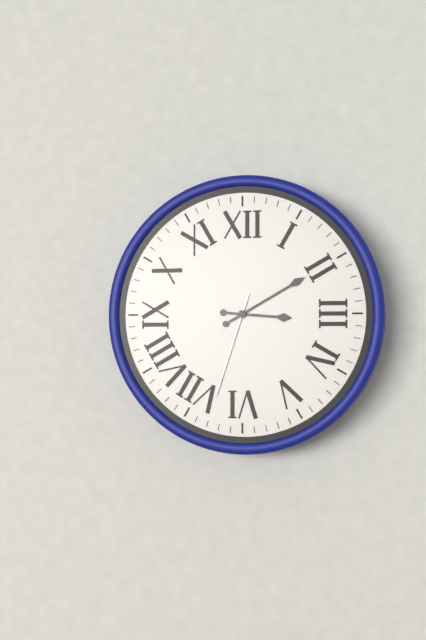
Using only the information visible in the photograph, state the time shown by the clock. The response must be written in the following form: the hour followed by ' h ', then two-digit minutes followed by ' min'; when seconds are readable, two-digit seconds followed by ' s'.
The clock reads 3 h 10 min 33 s
